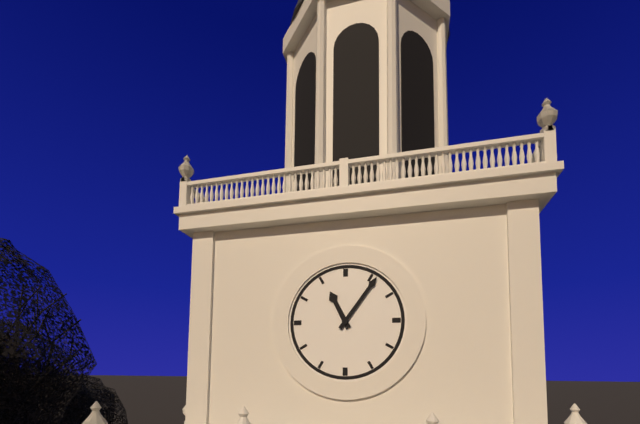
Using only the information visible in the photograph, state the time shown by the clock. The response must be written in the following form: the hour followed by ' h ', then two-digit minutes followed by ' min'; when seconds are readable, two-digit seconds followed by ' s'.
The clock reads 11 h 06 min
